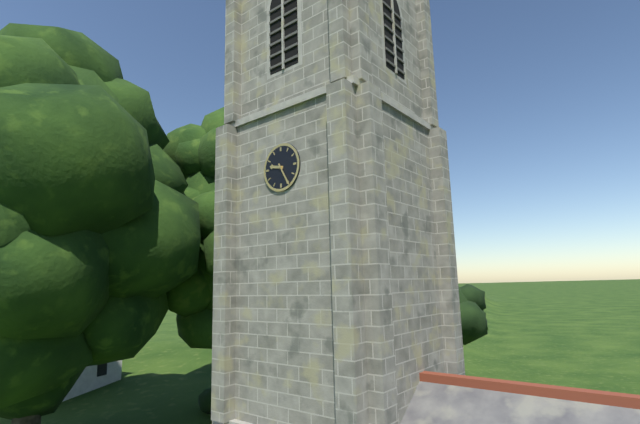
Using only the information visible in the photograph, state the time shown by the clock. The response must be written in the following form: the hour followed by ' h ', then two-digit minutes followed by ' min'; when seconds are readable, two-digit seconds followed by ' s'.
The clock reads 9 h 25 min
